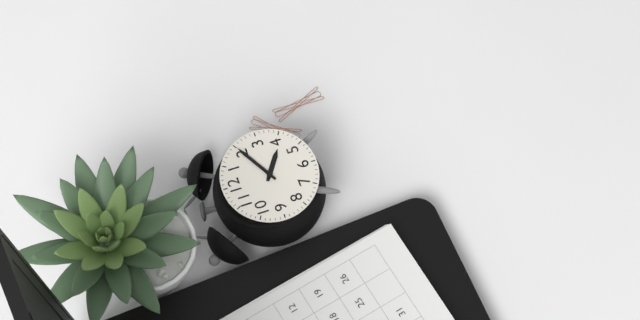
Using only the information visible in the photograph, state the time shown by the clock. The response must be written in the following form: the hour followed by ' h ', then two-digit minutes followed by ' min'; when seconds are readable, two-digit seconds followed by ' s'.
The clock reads 4 h 10 min
